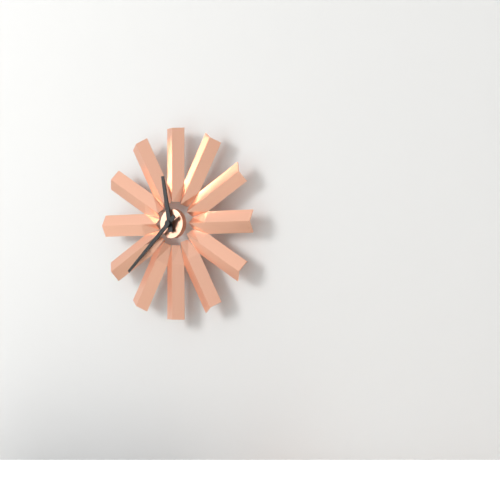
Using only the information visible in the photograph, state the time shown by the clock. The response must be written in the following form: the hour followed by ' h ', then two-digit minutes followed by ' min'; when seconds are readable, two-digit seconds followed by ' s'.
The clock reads 11 h 38 min
